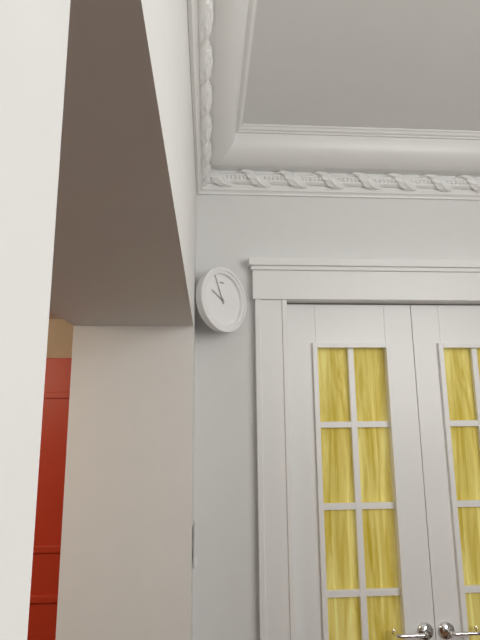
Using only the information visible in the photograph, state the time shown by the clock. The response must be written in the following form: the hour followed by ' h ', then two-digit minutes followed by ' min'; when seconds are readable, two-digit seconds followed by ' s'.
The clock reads 9 h 56 min
